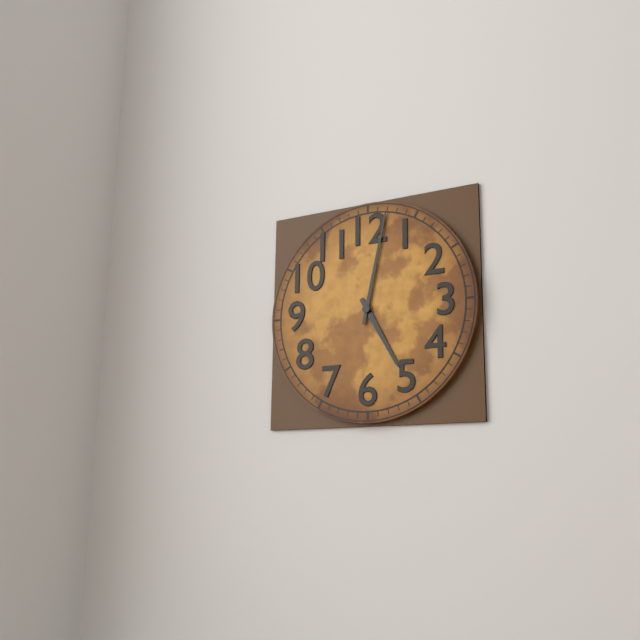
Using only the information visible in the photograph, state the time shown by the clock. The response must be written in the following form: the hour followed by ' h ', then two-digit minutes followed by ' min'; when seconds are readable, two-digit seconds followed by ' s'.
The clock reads 5 h 02 min
